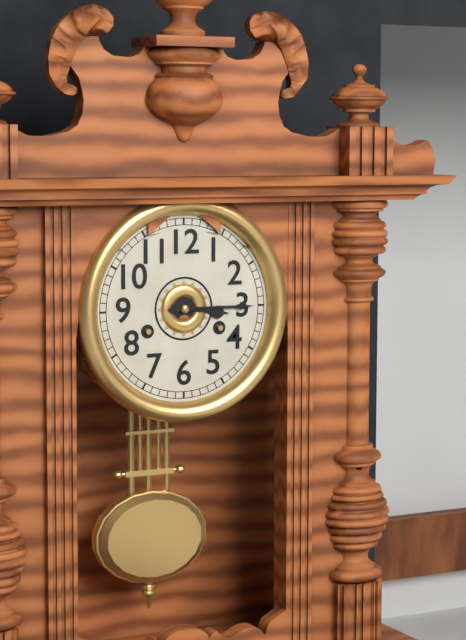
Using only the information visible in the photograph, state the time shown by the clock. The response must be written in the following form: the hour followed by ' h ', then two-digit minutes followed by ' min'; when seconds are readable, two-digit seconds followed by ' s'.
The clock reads 3 h 15 min
